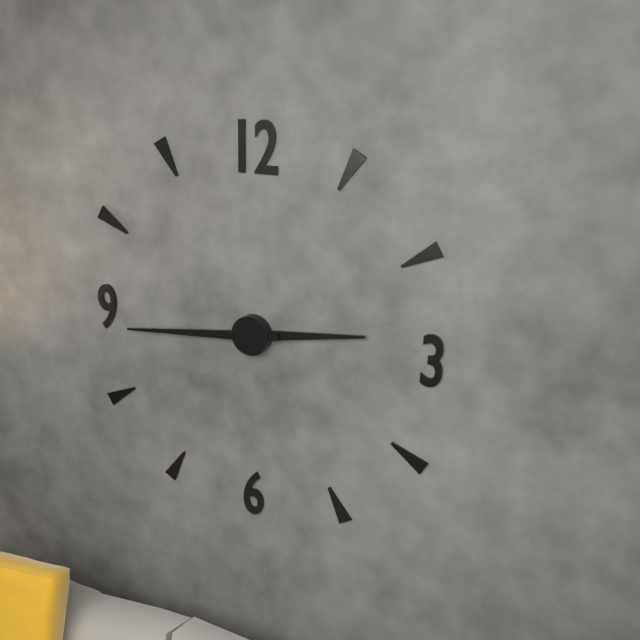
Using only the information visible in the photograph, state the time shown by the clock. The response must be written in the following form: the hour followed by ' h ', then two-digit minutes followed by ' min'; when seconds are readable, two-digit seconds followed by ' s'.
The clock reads 2 h 44 min
